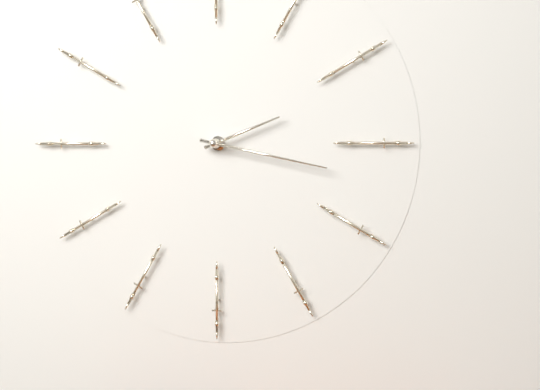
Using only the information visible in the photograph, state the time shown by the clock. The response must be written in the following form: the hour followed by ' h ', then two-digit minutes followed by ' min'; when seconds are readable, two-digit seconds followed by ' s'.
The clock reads 2 h 17 min
